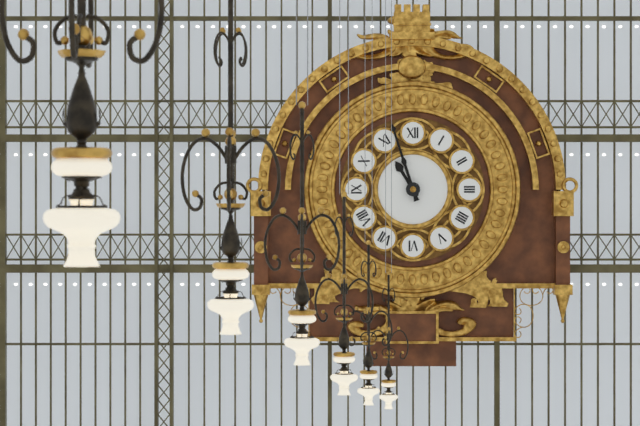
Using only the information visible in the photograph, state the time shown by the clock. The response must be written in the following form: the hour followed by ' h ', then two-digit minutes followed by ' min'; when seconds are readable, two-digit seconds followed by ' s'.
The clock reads 10 h 57 min
